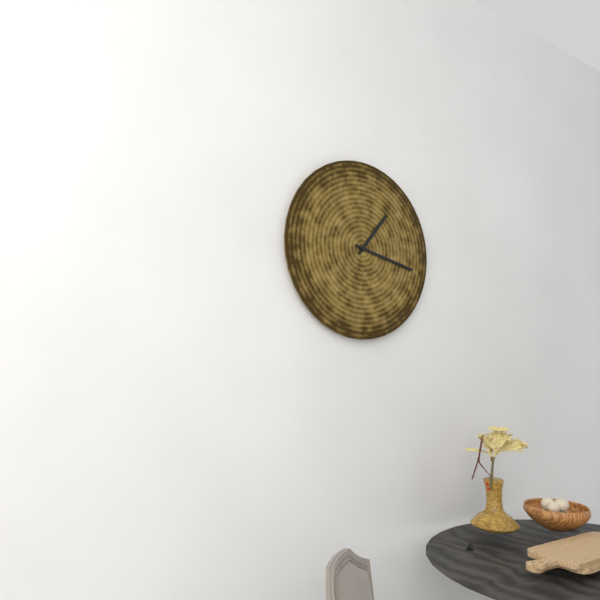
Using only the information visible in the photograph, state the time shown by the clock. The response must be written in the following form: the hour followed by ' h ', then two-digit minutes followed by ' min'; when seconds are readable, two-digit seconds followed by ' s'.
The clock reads 1 h 17 min
